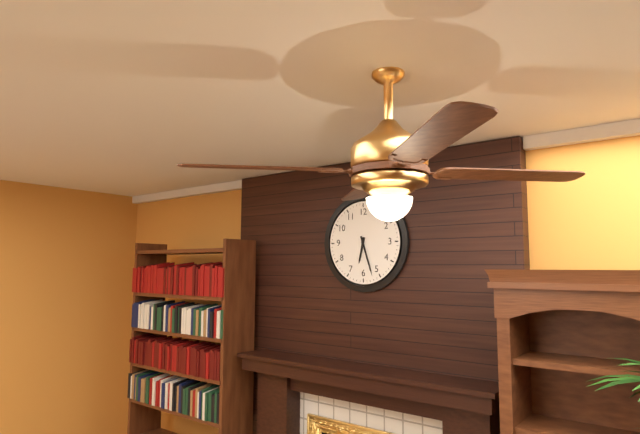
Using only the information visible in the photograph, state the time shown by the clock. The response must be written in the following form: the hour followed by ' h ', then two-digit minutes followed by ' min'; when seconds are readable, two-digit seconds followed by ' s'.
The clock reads 6 h 27 min
